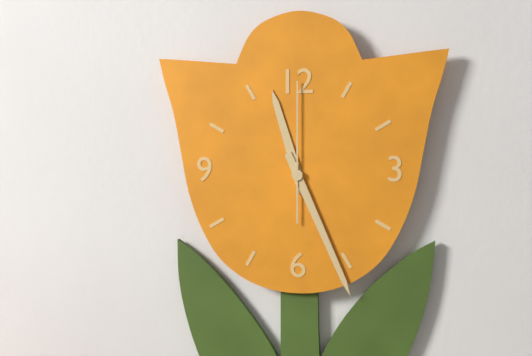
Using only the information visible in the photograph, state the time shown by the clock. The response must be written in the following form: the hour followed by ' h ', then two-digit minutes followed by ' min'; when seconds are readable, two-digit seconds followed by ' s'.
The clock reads 11 h 26 min 00 s
